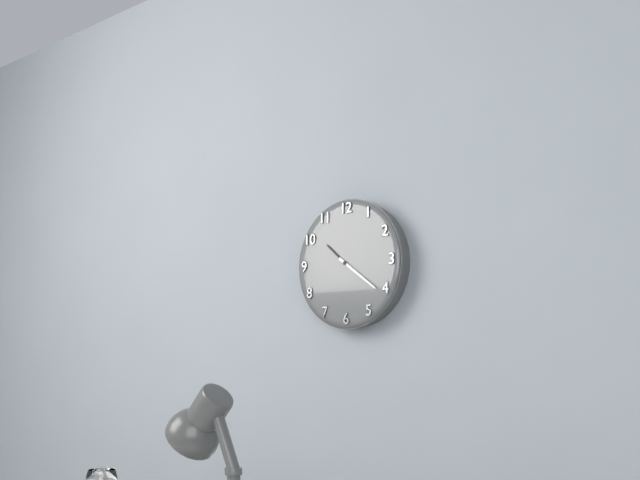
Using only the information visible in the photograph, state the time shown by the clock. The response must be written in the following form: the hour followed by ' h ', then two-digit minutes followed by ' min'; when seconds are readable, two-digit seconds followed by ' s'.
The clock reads 10 h 21 min
